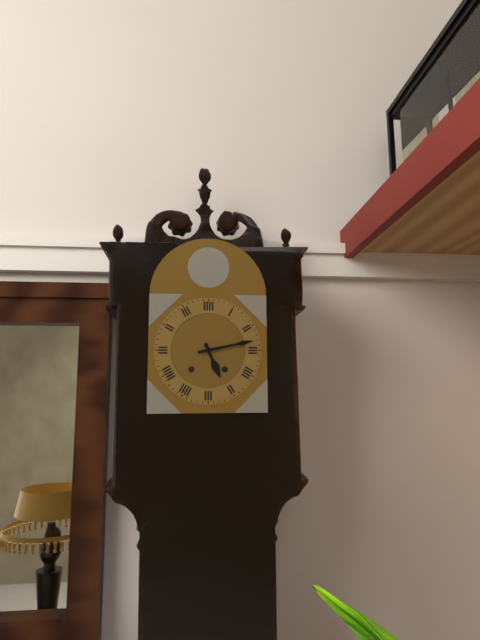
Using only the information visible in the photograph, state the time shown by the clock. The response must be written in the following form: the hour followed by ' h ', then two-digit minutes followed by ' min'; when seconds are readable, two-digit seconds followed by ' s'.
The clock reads 5 h 13 min
